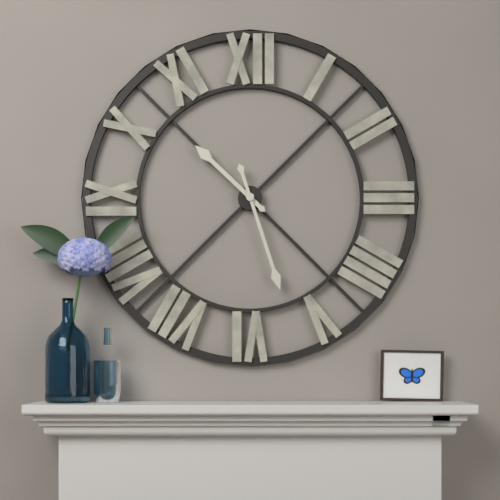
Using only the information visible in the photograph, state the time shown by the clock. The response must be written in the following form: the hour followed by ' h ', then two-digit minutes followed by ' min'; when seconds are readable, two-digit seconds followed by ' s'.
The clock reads 10 h 27 min
